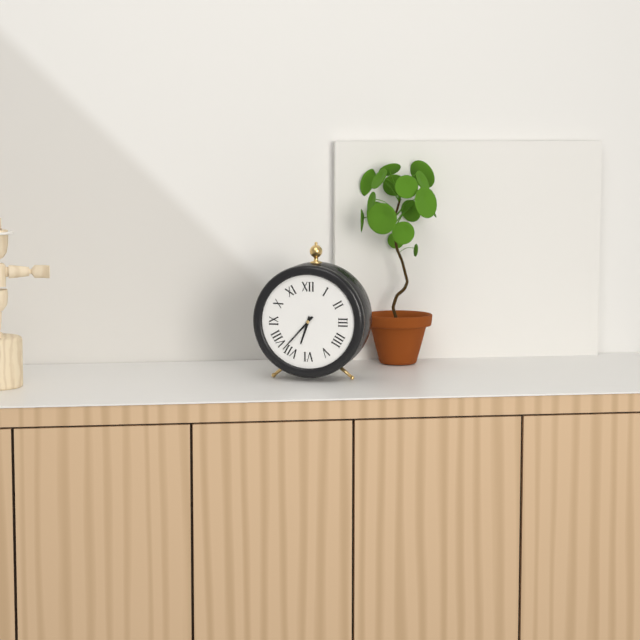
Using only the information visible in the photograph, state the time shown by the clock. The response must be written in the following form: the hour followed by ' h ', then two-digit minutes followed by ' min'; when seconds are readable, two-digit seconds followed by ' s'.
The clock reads 6 h 37 min
